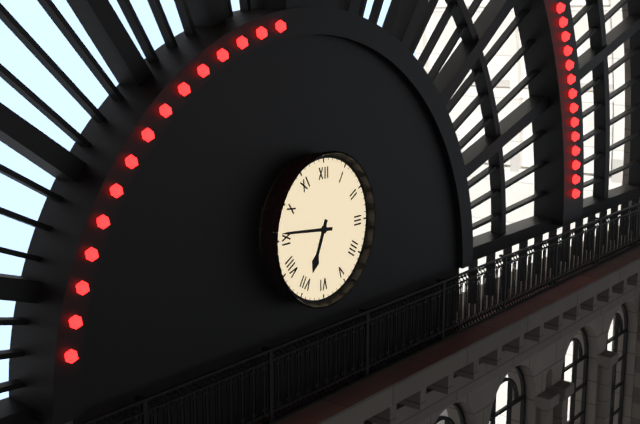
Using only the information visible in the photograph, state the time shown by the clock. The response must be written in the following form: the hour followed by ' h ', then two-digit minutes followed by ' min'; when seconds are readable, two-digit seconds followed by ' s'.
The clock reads 6 h 46 min
